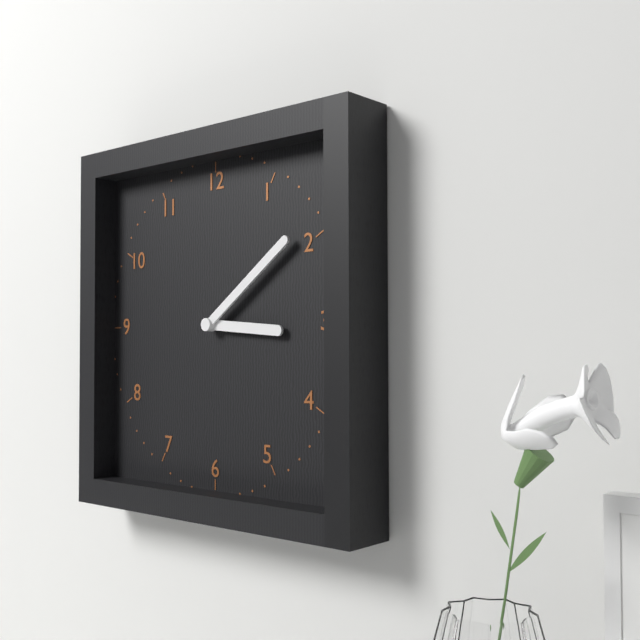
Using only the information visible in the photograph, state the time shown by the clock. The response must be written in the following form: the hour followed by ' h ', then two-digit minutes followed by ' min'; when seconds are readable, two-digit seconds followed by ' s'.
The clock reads 3 h 09 min
